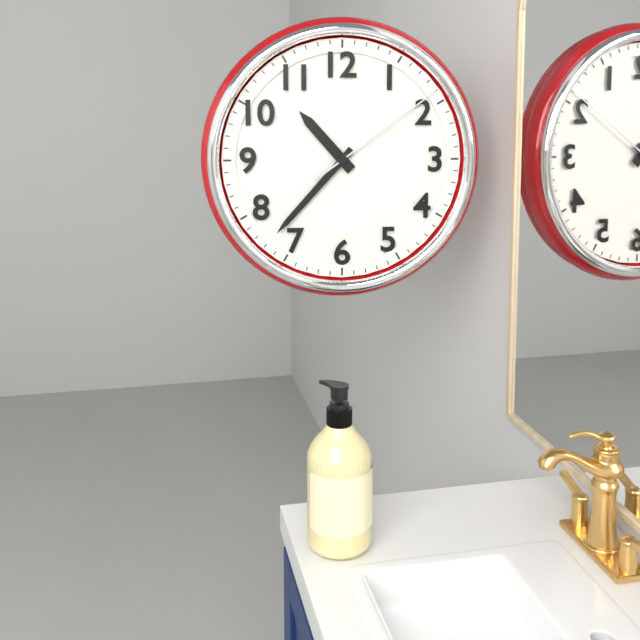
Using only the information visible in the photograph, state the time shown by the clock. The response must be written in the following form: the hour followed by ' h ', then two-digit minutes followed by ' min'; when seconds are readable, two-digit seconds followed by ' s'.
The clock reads 10 h 37 min 09 s
